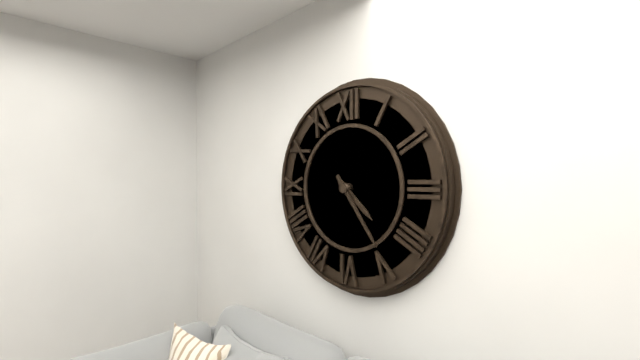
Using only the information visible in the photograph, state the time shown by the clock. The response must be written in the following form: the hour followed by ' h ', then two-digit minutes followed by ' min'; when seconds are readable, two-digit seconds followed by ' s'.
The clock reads 4 h 24 min
